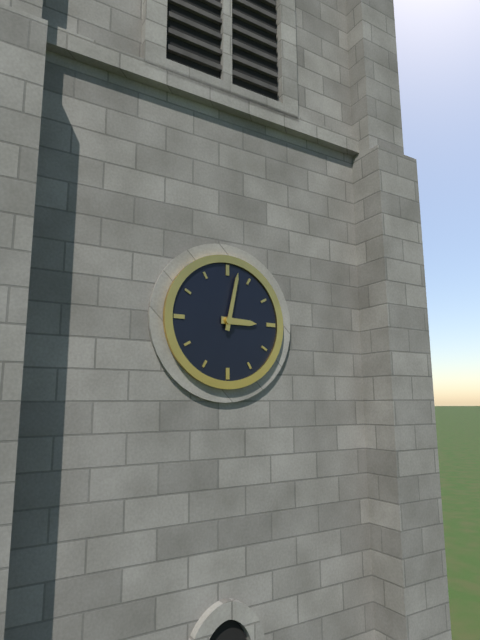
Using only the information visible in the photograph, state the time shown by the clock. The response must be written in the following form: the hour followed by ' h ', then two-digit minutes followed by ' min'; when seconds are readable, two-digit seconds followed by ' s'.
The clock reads 3 h 02 min
